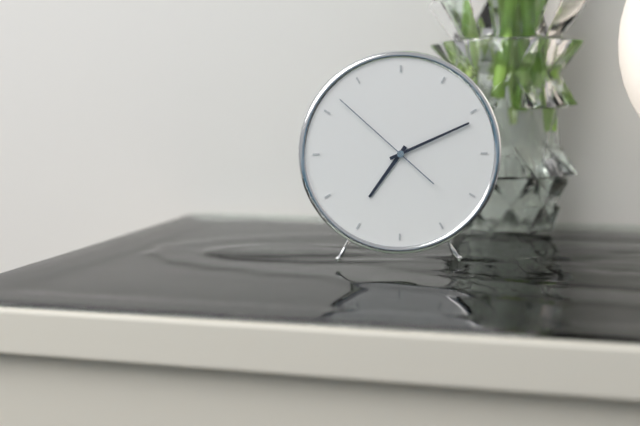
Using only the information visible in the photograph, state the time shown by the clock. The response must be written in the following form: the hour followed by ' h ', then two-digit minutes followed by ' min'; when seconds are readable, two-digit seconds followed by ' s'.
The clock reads 7 h 11 min 52 s
